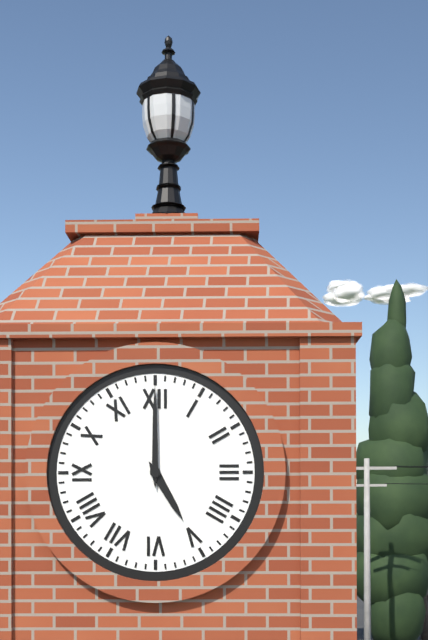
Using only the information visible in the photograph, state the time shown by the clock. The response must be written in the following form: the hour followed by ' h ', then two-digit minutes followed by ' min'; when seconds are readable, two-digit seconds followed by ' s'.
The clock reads 5 h 00 min
